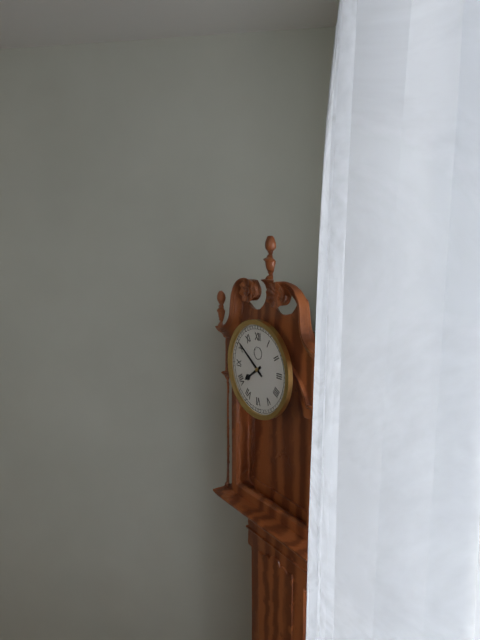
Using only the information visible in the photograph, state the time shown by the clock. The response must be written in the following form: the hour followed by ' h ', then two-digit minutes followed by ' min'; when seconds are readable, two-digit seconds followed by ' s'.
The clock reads 7 h 51 min
